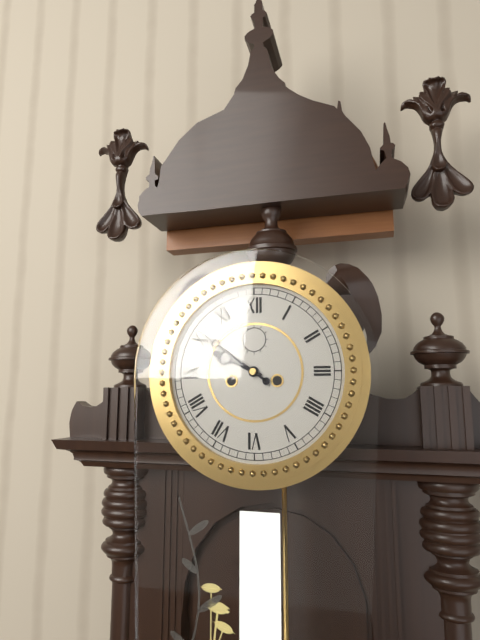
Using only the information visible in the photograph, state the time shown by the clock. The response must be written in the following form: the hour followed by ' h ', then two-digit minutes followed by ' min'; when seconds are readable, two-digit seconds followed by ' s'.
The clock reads 9 h 51 min
